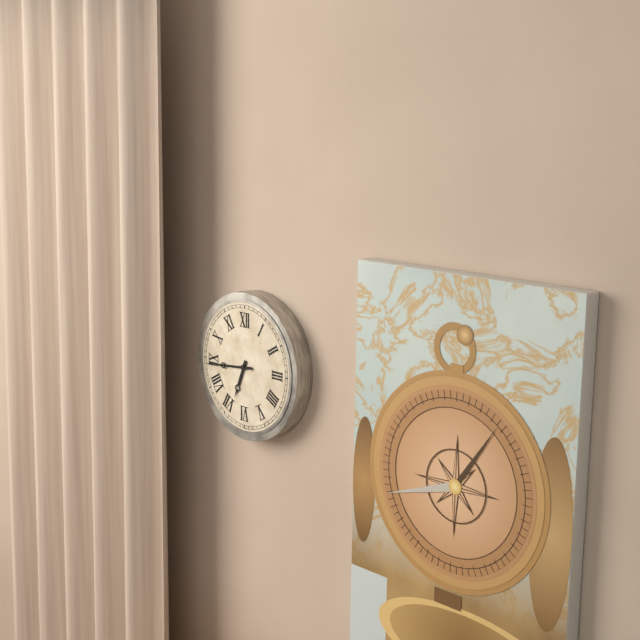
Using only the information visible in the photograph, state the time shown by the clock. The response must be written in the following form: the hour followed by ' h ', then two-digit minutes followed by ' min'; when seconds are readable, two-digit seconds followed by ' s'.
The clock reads 6 h 44 min
